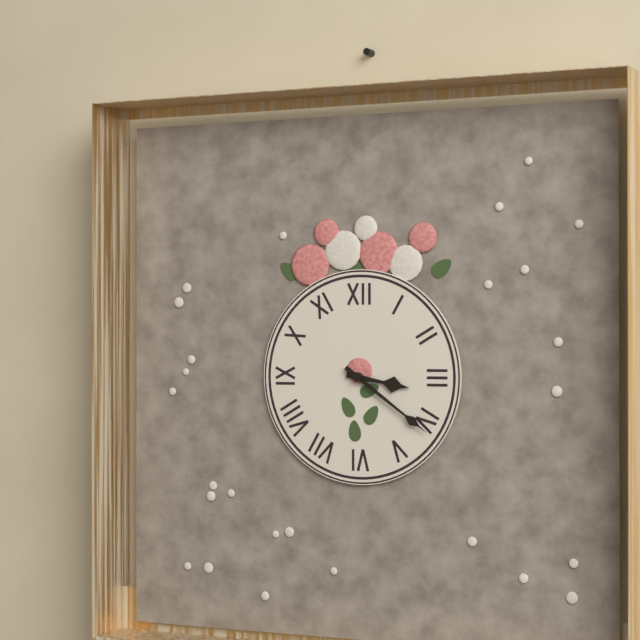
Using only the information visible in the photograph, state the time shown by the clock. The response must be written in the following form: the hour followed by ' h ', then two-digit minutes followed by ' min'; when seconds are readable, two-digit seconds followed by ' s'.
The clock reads 3 h 21 min
